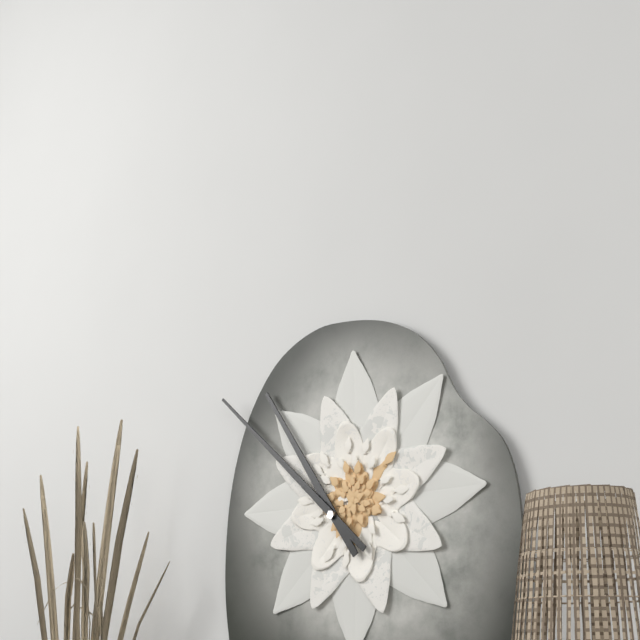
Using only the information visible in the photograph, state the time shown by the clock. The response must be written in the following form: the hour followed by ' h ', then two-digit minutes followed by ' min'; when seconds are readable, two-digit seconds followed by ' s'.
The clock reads 10 h 52 min
